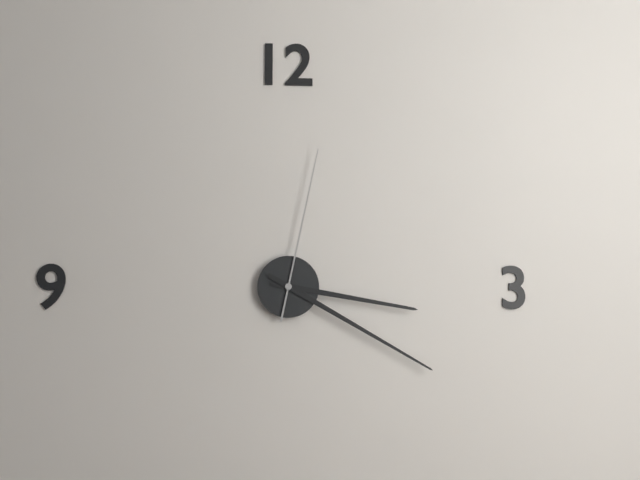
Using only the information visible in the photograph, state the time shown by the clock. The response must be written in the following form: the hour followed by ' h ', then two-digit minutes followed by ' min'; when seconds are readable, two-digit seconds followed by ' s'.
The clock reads 3 h 20 min 02 s
